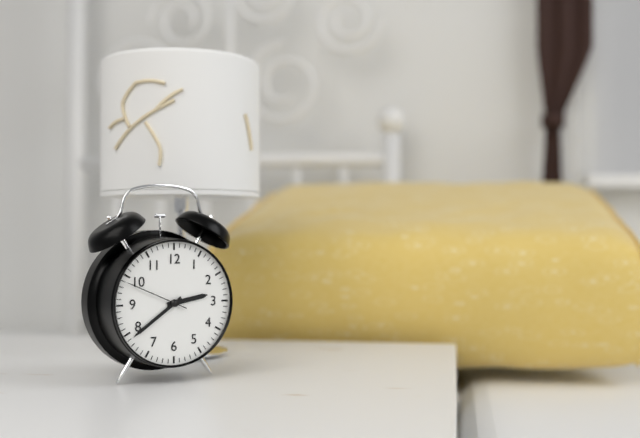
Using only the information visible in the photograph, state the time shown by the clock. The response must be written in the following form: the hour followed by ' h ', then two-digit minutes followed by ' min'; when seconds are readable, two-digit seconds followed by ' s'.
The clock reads 2 h 39 min 49 s
